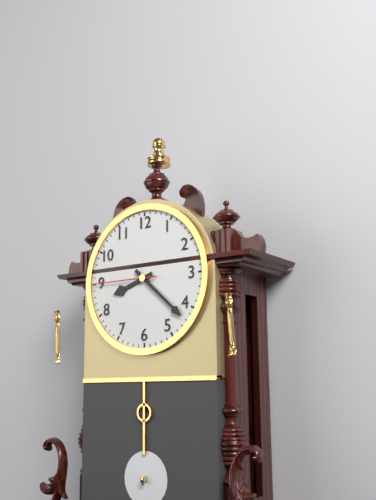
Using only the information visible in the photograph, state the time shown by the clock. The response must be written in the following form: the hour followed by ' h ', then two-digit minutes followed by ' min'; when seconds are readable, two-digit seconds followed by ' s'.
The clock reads 8 h 22 min 45 s
